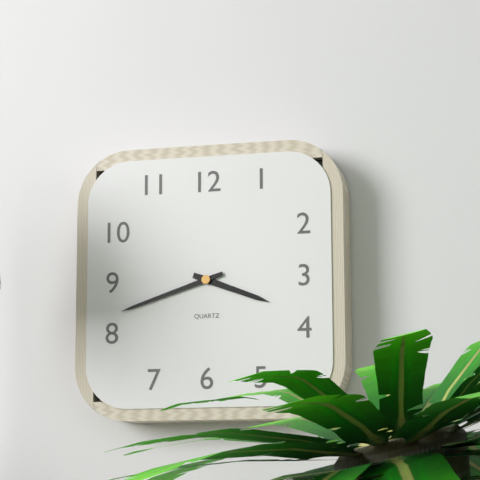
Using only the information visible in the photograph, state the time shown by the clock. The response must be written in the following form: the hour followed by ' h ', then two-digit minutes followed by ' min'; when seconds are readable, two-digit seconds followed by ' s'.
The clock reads 3 h 42 min
